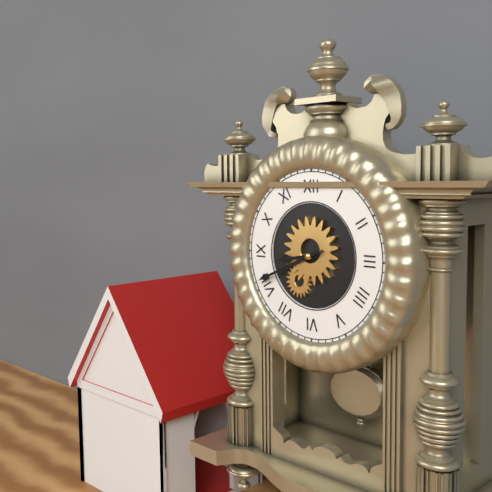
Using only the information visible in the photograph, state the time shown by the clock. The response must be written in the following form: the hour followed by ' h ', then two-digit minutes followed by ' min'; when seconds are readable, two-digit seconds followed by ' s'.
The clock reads 8 h 41 min
